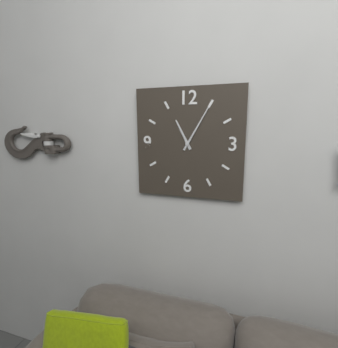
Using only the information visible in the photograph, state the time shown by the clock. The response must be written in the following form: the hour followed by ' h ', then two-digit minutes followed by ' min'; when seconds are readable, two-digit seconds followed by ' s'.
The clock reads 11 h 05 min
